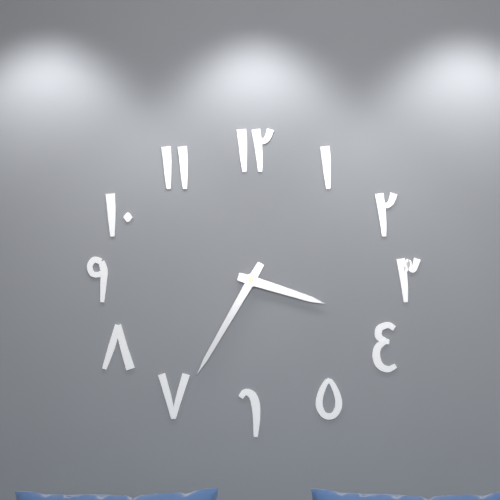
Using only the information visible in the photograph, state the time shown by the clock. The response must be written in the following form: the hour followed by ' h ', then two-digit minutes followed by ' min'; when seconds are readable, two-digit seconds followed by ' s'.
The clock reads 3 h 35 min
